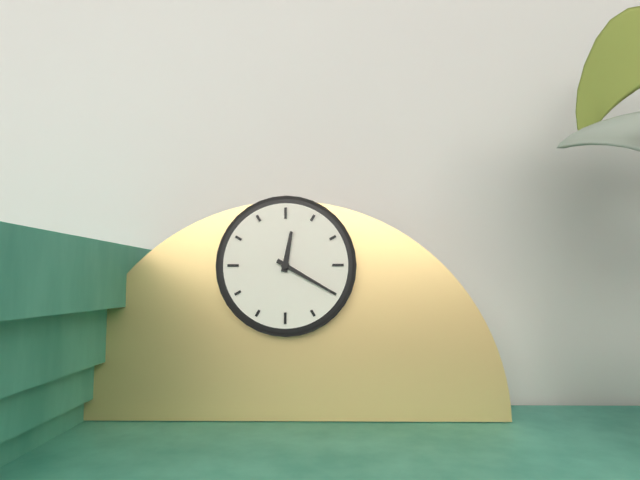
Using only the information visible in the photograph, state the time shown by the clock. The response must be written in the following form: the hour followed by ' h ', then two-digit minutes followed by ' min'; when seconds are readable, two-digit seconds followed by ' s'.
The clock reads 12 h 20 min
